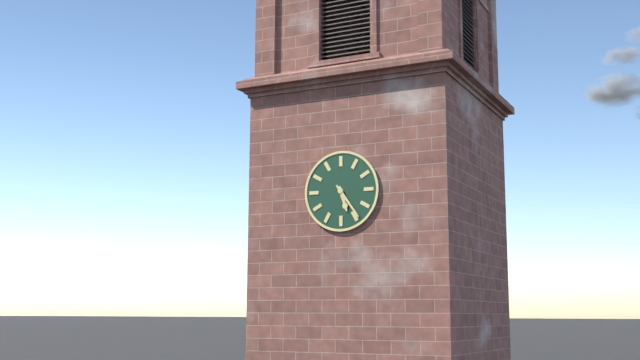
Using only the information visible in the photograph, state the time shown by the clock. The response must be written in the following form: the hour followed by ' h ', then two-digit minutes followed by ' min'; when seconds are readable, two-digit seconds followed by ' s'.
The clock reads 5 h 24 min
